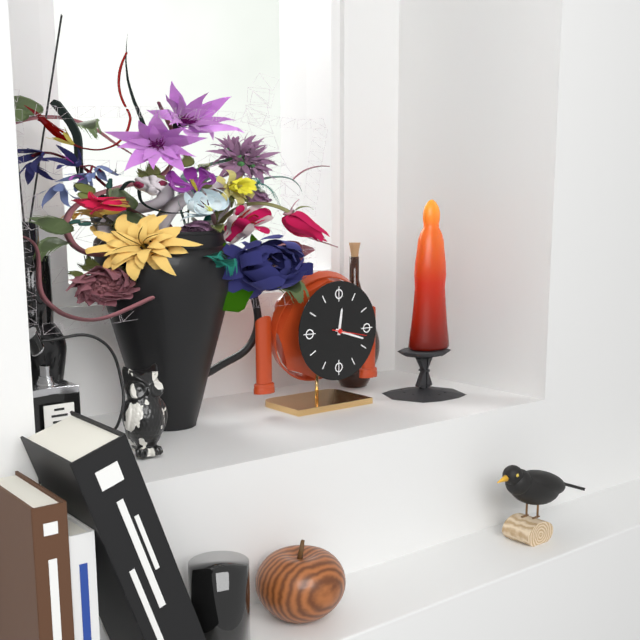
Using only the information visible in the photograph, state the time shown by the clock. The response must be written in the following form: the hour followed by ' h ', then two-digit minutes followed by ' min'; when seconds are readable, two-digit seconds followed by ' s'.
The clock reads 12 h 18 min
